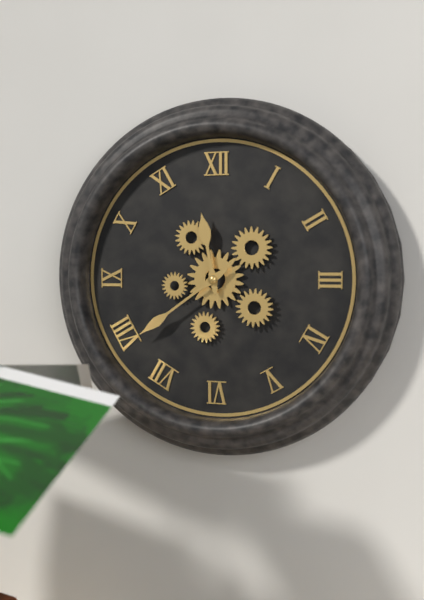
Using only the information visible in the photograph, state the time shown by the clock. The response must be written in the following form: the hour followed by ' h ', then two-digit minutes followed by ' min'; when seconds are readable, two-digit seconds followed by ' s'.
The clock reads 11 h 39 min
